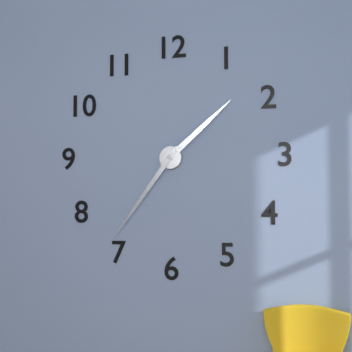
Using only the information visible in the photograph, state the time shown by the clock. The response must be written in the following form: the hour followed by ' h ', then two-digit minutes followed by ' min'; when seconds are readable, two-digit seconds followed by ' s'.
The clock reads 1 h 36 min
